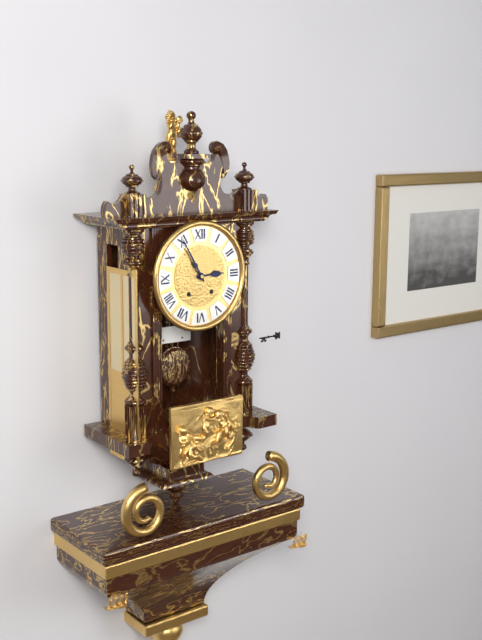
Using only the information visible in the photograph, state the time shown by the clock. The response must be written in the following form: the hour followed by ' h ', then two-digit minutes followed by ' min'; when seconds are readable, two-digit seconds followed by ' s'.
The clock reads 2 h 55 min
